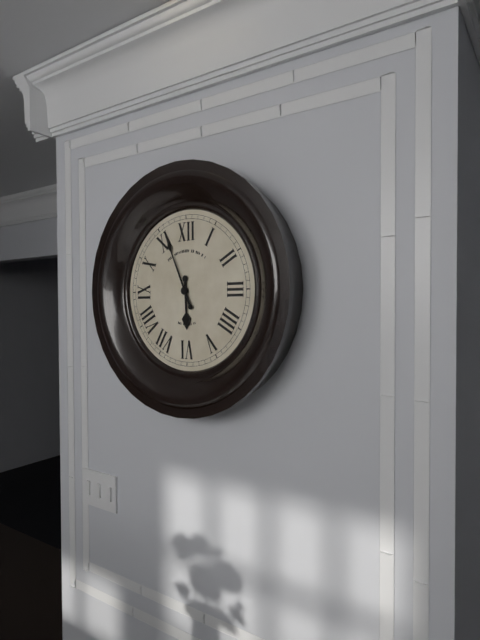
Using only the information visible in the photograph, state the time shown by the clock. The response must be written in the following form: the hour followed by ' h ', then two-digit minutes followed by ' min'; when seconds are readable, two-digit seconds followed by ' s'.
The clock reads 5 h 56 min
